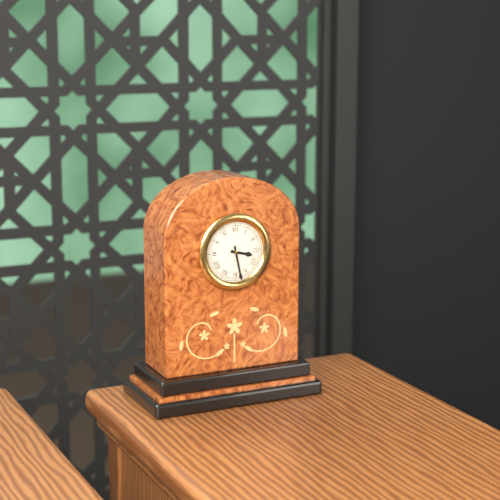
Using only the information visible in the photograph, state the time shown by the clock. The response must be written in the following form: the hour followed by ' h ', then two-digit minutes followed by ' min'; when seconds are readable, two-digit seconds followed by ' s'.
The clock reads 3 h 28 min
